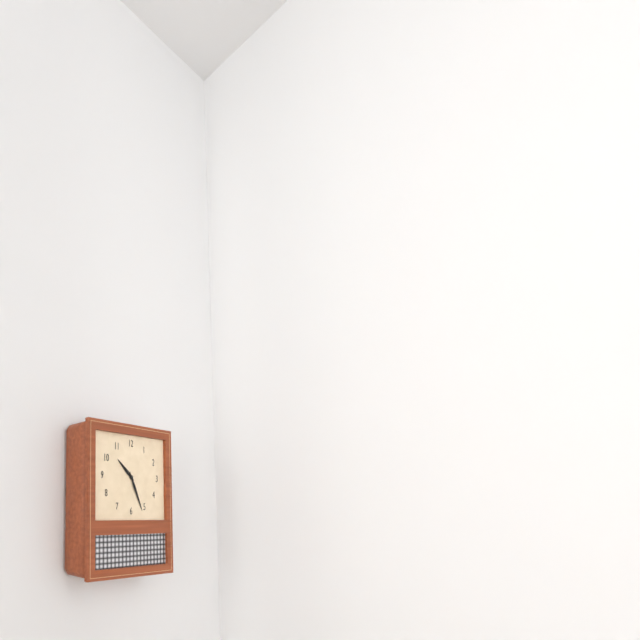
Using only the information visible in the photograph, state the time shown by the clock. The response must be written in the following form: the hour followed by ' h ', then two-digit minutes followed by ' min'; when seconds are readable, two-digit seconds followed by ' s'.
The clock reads 10 h 26 min
